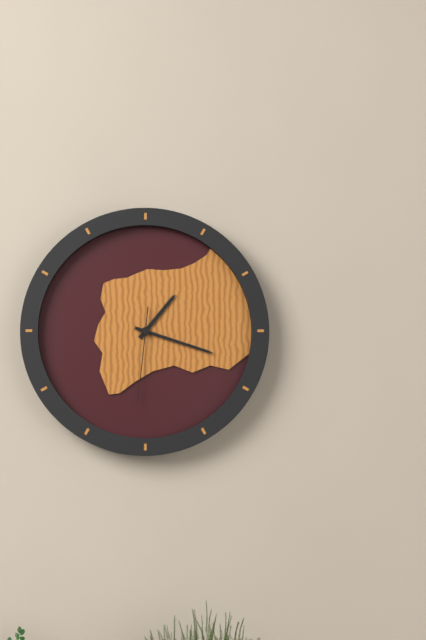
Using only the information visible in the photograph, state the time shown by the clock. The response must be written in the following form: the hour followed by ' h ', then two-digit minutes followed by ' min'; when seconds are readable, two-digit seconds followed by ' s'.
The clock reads 1 h 18 min 31 s
